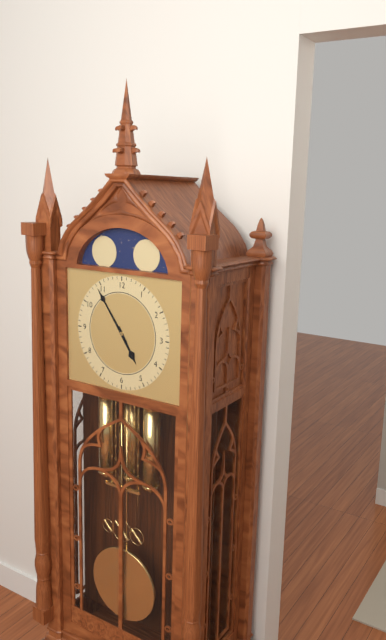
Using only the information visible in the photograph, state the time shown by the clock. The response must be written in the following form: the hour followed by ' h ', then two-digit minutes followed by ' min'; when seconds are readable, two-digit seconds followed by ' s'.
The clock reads 4 h 54 min
